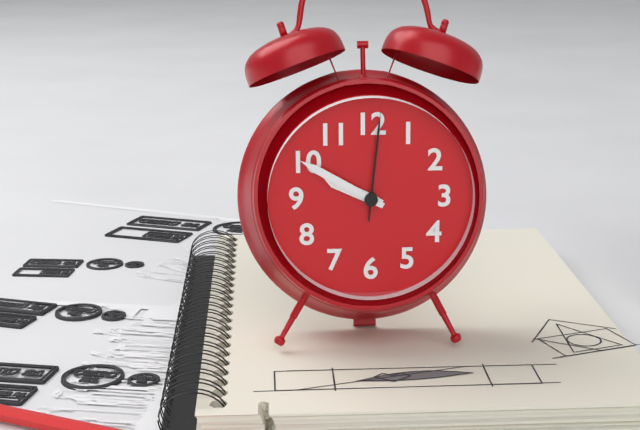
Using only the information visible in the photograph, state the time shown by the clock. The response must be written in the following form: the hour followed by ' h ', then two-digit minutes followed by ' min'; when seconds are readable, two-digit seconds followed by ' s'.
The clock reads 9 h 50 min 01 s
